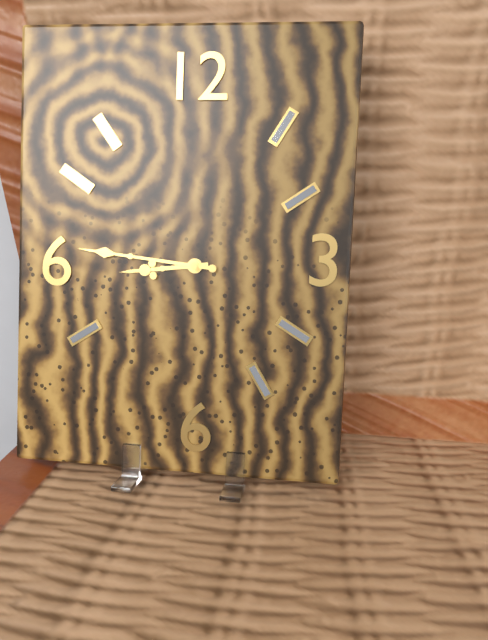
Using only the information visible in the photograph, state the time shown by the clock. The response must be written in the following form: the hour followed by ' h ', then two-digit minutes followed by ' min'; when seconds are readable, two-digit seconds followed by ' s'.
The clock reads 8 h 46 min
